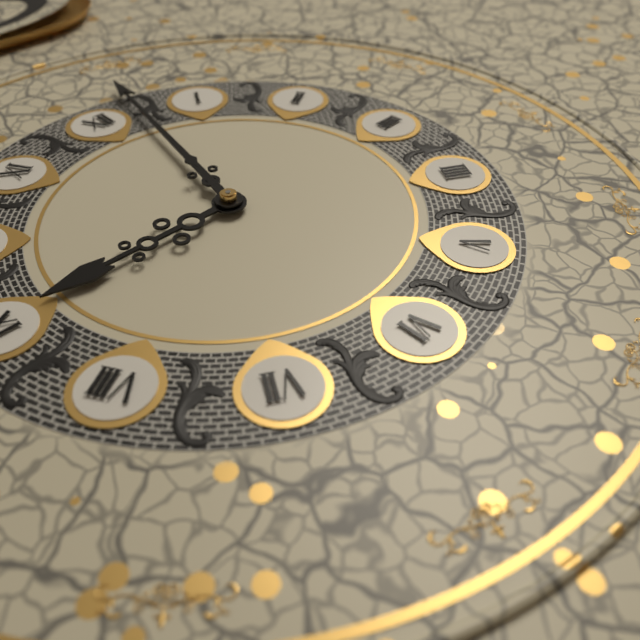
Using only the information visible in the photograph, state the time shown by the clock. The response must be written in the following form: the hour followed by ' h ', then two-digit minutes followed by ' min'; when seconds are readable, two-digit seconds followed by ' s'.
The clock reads 9 h 02 min
